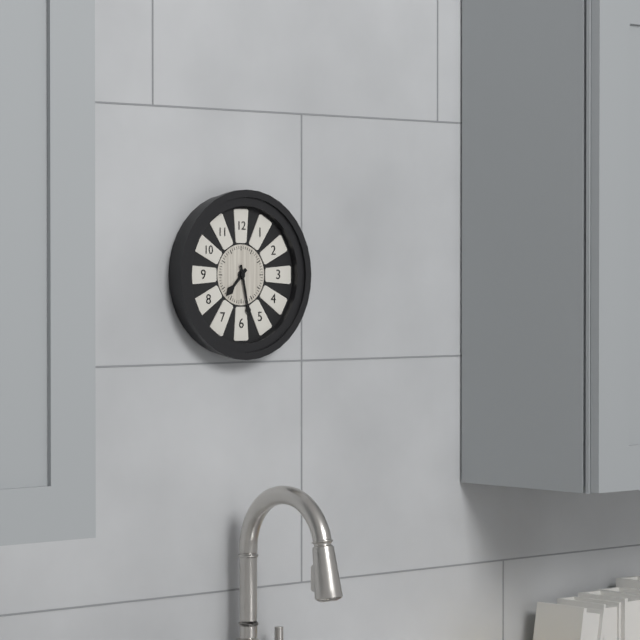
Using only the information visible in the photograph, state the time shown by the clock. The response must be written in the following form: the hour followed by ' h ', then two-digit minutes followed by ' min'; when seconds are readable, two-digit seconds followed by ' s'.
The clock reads 7 h 28 min
